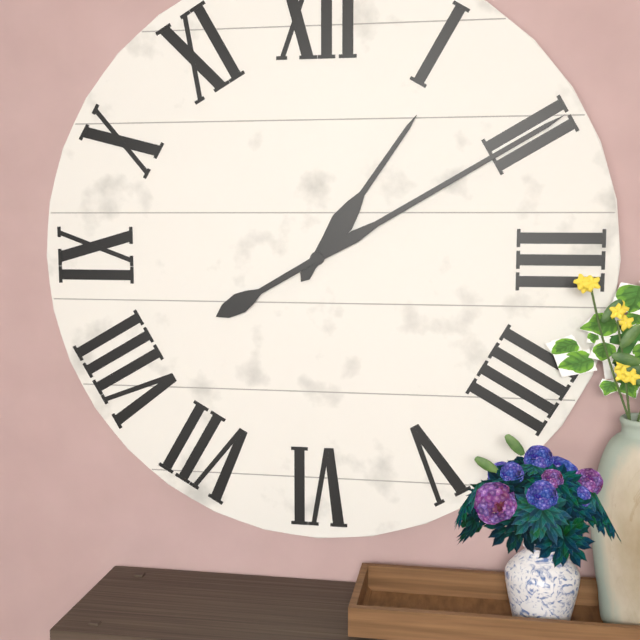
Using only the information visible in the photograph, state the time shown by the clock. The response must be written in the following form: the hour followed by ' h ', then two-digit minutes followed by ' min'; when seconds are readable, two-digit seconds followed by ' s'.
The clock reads 1 h 10 min
